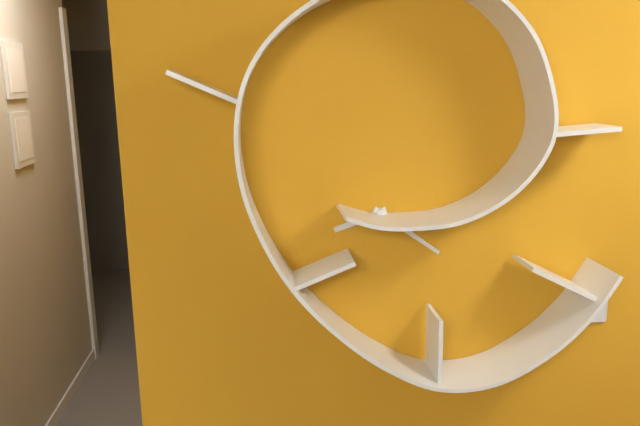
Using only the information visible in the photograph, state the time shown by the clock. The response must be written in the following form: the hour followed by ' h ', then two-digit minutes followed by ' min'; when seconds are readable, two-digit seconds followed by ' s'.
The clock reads 8 h 21 min
